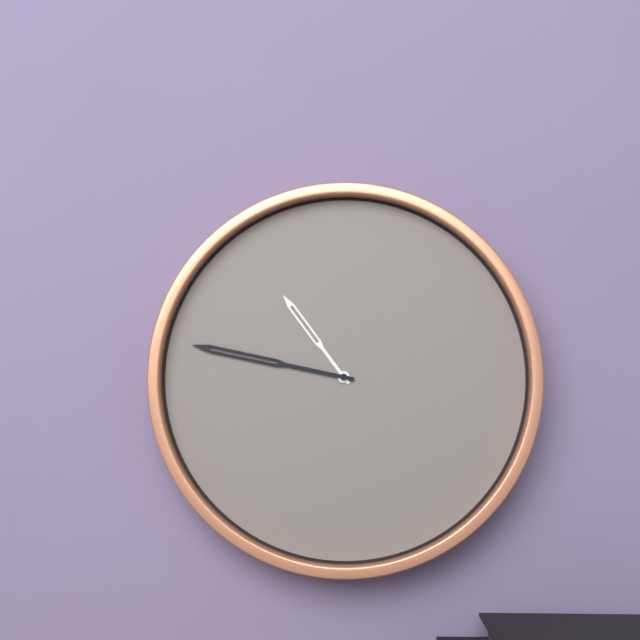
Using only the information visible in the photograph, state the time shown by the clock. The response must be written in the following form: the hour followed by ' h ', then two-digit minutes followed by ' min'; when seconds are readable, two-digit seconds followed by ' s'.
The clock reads 10 h 47 min
